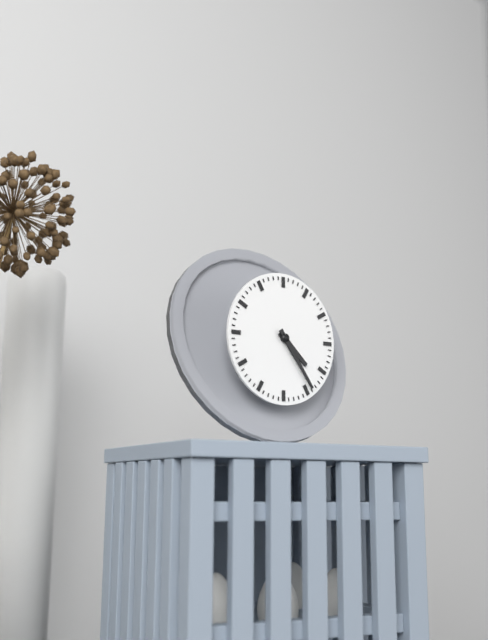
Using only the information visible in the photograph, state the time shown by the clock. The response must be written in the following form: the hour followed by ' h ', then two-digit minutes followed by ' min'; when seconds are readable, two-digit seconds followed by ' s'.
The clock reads 4 h 24 min
